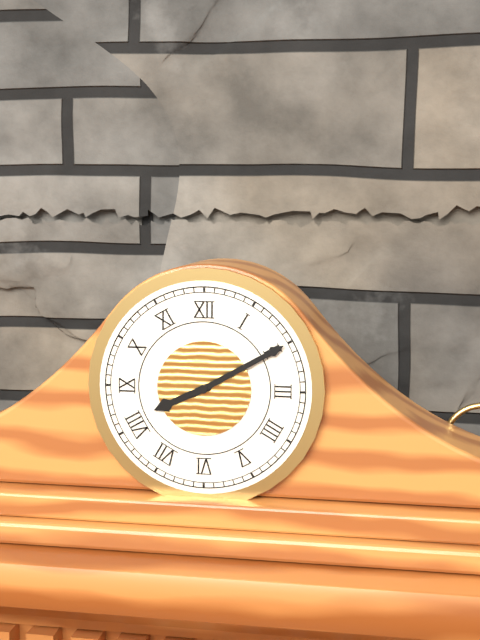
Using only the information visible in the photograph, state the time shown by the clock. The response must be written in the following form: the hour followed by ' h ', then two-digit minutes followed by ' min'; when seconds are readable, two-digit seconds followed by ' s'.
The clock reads 8 h 10 min
